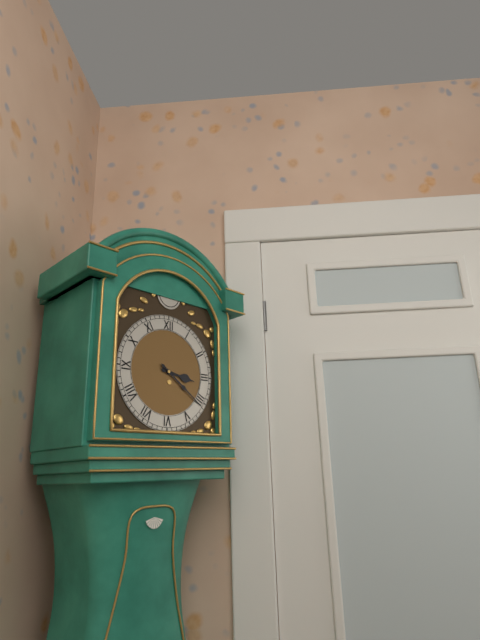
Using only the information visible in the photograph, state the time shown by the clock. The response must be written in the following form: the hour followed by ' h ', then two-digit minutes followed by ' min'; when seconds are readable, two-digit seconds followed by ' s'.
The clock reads 3 h 21 min
